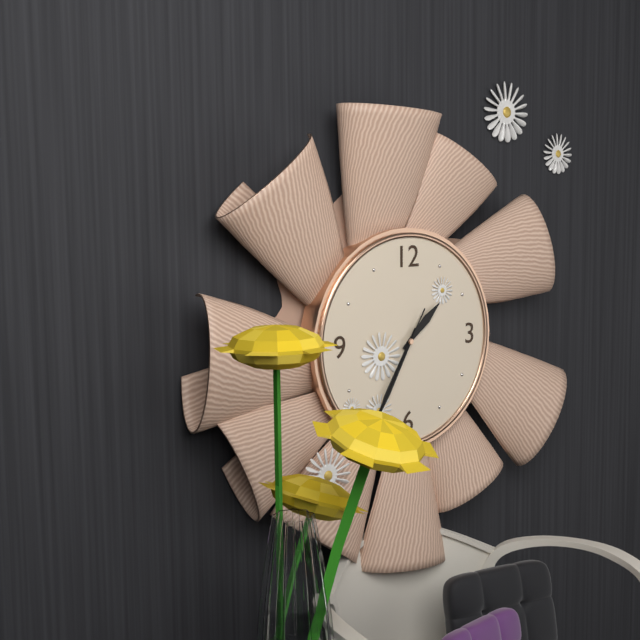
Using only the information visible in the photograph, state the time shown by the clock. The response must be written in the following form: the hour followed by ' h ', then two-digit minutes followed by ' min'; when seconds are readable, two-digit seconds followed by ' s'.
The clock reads 1 h 35 min 35 s
